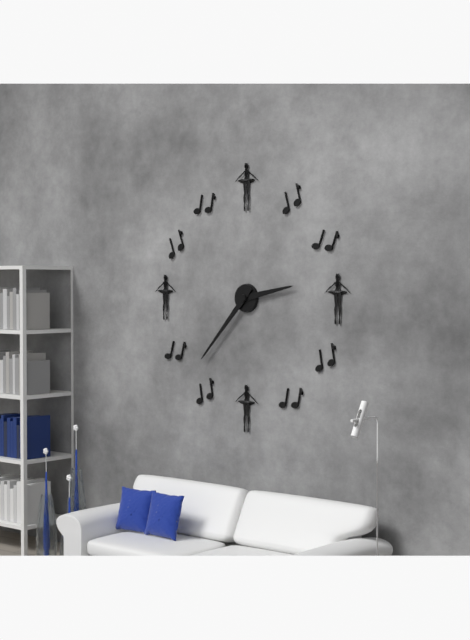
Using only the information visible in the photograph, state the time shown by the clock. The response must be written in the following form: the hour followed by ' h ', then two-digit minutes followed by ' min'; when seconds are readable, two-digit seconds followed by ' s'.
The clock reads 2 h 37 min
